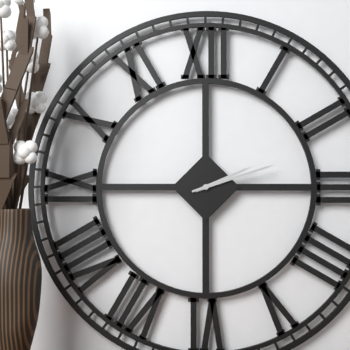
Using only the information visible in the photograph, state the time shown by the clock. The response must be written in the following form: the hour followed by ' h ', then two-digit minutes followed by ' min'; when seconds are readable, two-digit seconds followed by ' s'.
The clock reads 2 h 12 min
